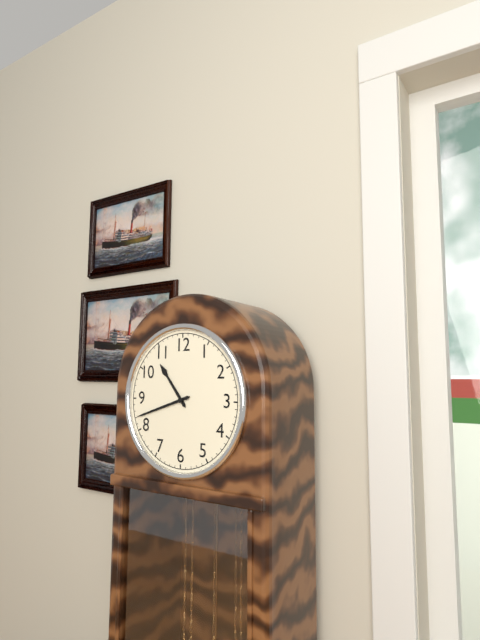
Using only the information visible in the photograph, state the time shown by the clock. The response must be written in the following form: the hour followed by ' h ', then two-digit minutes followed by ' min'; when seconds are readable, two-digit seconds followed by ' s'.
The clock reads 10 h 42 min
